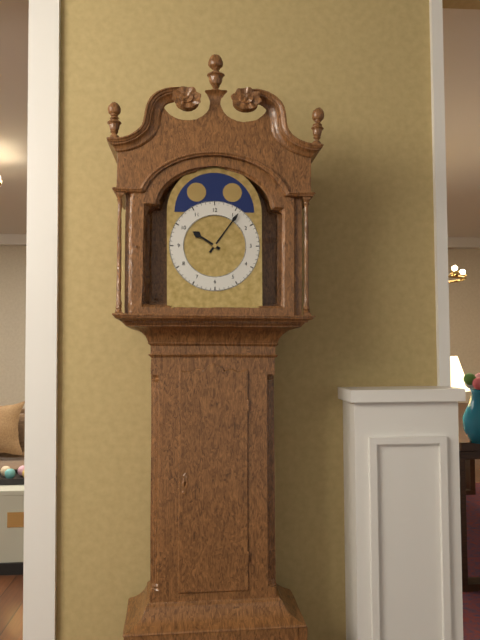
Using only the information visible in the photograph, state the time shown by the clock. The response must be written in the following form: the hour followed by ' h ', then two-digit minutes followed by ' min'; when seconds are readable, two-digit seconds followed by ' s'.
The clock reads 10 h 06 min
